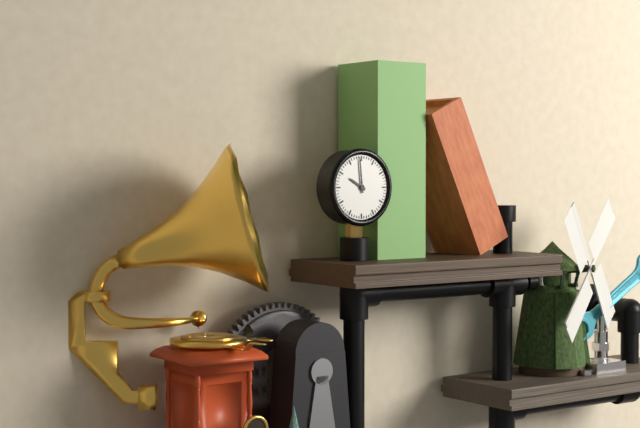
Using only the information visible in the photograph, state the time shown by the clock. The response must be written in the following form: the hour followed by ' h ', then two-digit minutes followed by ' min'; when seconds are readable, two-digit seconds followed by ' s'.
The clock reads 9 h 59 min
